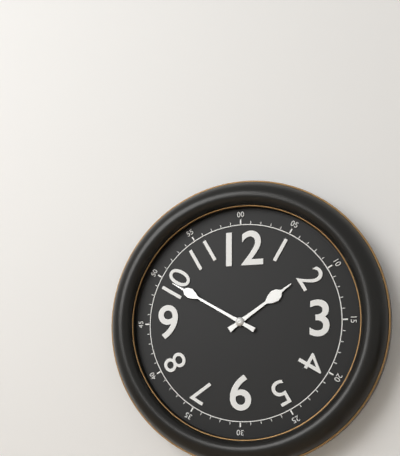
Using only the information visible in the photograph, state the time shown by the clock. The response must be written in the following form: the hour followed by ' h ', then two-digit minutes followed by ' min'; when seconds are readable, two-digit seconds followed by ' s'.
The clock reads 1 h 50 min
